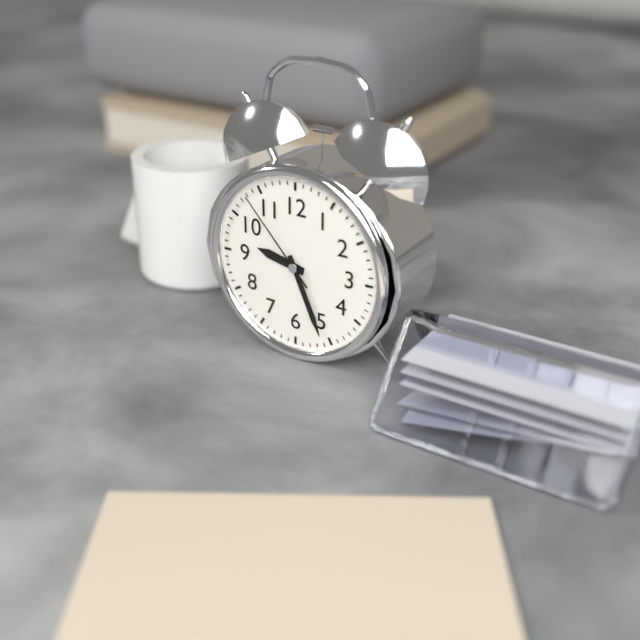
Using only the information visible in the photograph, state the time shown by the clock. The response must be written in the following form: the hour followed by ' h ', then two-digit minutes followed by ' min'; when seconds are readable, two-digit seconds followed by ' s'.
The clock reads 9 h 26 min 53 s
